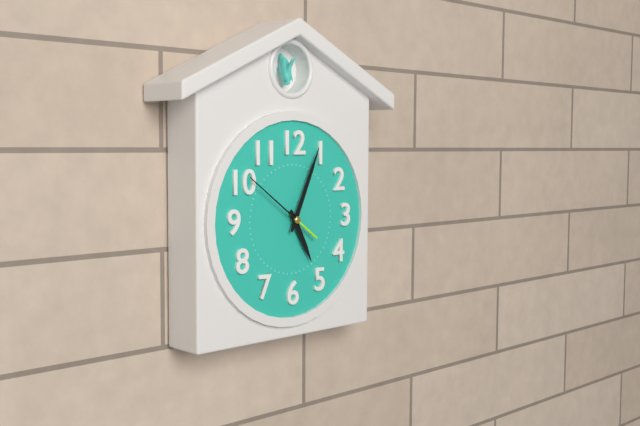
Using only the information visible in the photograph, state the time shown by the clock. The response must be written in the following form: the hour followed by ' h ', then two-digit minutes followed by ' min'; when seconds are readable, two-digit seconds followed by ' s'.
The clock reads 5 h 04 min
